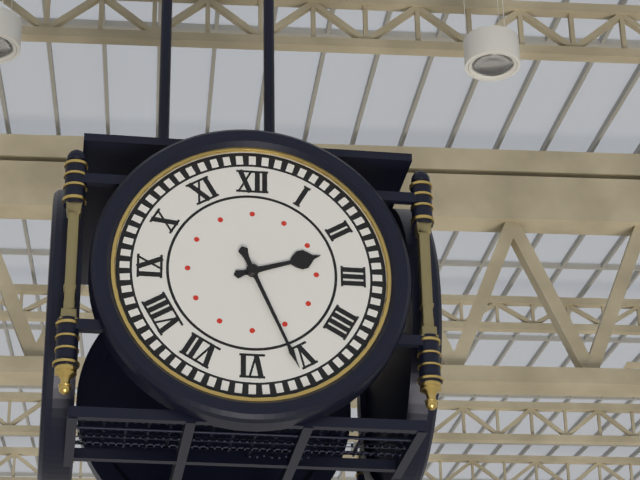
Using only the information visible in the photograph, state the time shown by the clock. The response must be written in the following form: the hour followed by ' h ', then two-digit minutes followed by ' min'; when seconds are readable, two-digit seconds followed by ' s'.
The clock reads 2 h 26 min
